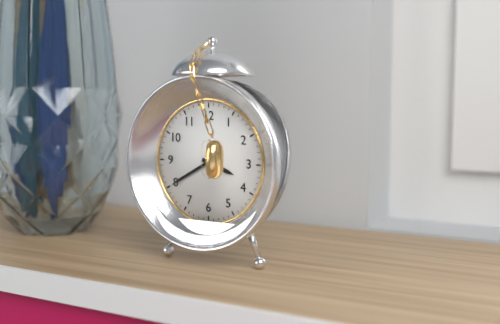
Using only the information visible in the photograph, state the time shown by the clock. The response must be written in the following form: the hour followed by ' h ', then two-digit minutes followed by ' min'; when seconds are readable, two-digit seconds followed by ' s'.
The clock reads 3 h 40 min
